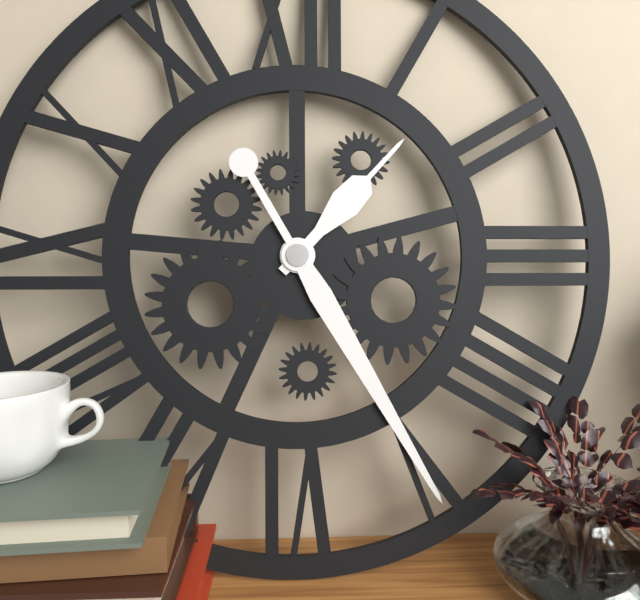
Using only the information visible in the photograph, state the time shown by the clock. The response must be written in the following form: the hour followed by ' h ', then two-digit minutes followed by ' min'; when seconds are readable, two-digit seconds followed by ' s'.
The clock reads 1 h 25 min
